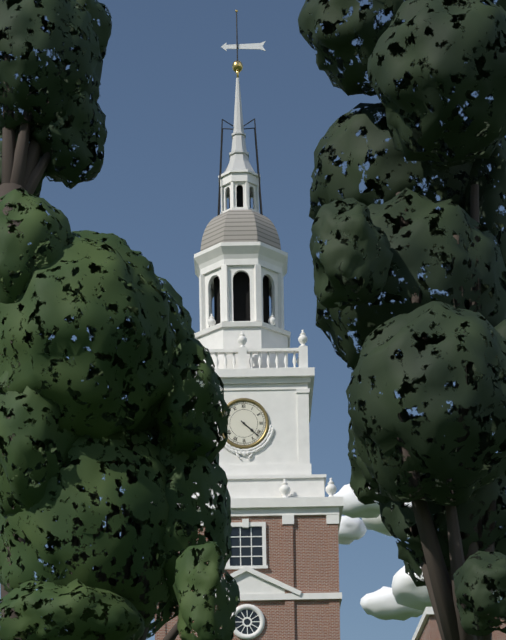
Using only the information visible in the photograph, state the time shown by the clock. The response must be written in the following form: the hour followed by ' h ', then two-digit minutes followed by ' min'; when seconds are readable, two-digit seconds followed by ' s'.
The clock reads 4 h 22 min
